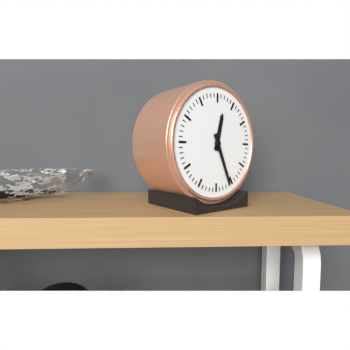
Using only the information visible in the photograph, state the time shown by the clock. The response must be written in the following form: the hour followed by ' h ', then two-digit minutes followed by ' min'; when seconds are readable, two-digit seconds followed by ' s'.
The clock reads 12 h 26 min
